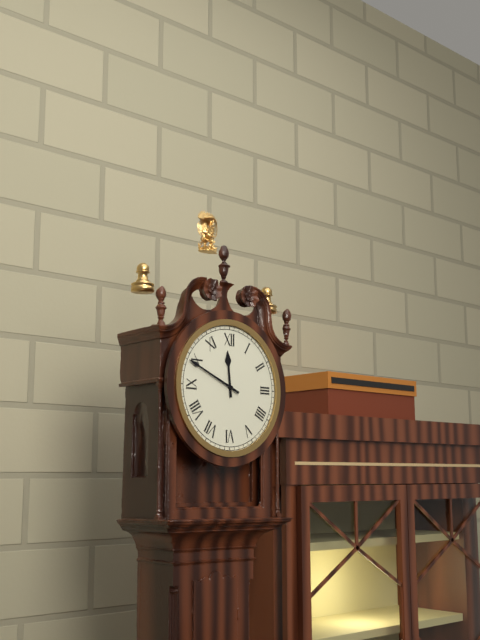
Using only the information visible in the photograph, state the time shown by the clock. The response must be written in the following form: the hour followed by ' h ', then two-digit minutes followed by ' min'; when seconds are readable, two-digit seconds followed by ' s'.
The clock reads 11 h 49 min
